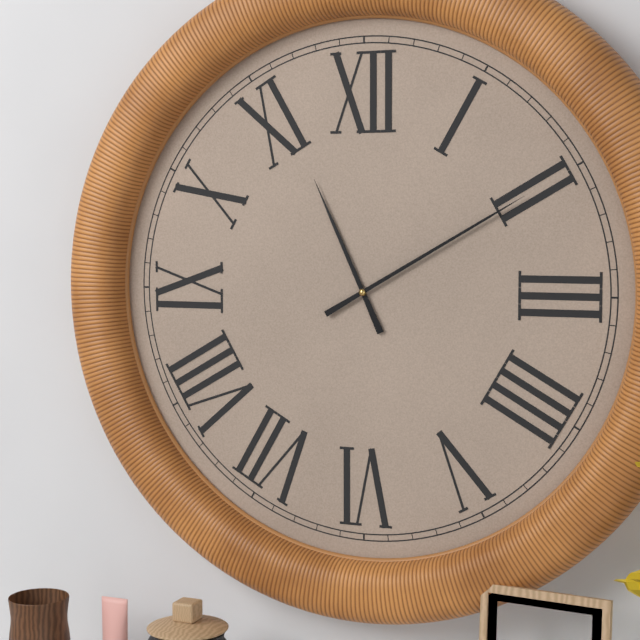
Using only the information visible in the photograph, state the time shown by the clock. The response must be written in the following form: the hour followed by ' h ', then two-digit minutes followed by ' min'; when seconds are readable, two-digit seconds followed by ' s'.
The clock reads 11 h 10 min
